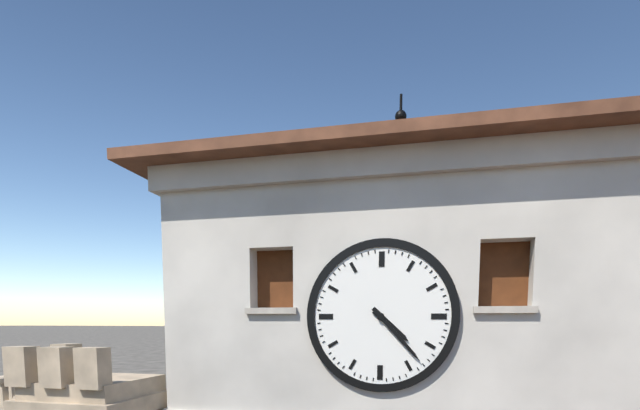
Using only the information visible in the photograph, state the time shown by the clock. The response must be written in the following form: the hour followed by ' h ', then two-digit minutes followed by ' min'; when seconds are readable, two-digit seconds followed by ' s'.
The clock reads 4 h 23 min
